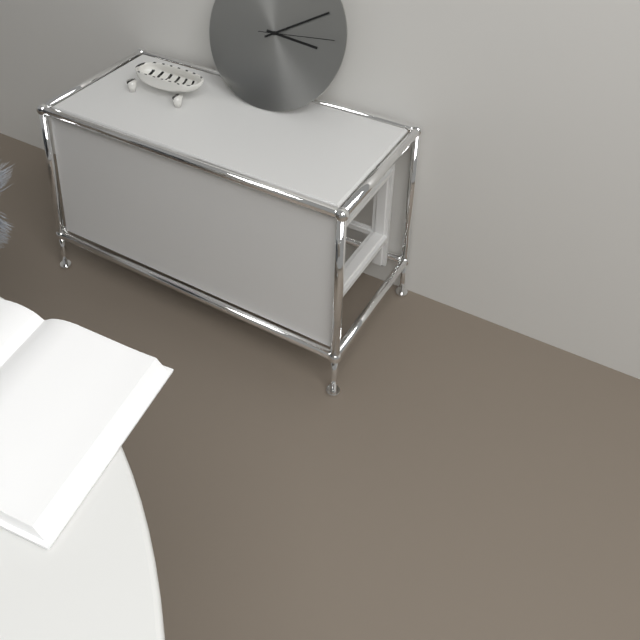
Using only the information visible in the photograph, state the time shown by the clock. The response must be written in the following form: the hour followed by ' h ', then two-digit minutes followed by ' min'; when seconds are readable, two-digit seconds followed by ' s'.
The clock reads 3 h 10 min 14 s
